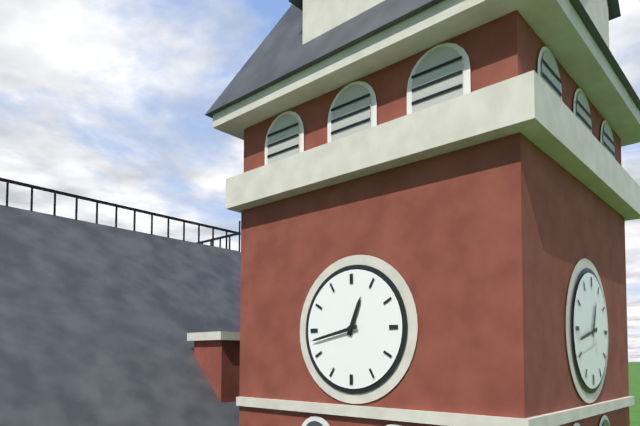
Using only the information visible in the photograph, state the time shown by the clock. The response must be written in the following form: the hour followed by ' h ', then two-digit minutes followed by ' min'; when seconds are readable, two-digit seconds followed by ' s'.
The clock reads 12 h 43 min
